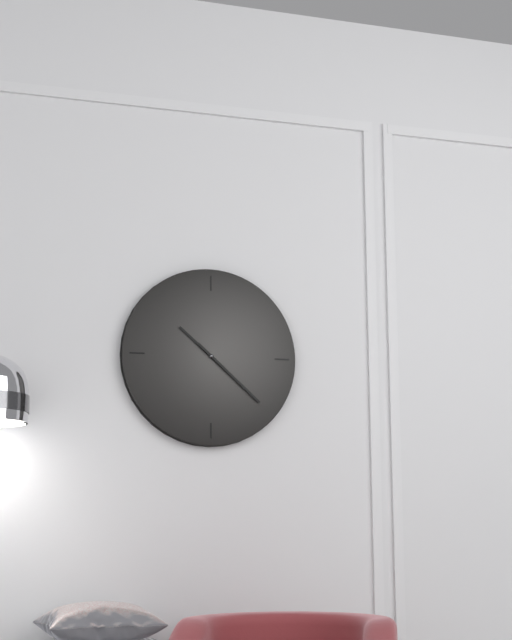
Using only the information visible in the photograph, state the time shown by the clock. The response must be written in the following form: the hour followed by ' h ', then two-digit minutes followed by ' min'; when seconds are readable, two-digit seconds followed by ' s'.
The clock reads 10 h 22 min
